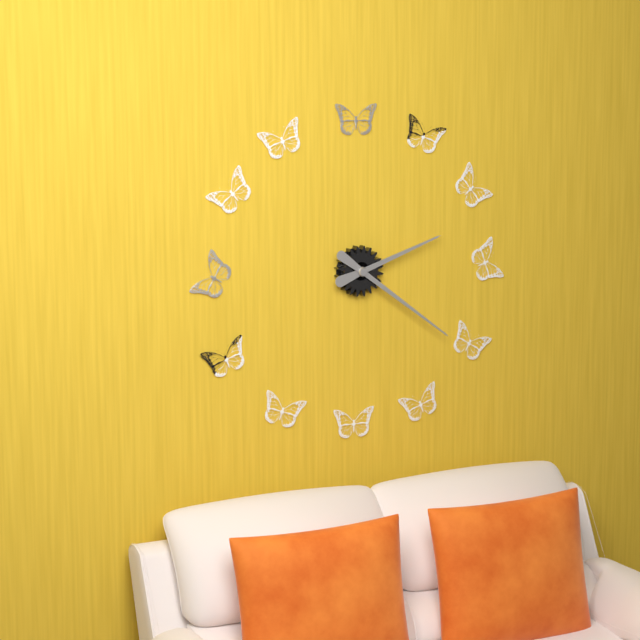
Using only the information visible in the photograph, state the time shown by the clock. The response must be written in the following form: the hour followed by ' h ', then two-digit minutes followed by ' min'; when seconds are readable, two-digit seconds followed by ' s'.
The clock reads 2 h 21 min
